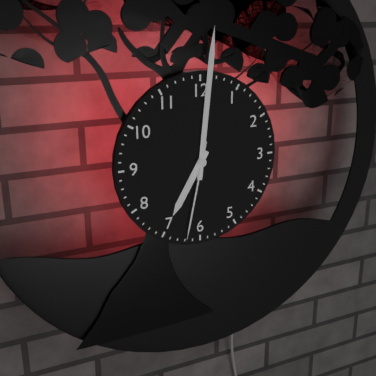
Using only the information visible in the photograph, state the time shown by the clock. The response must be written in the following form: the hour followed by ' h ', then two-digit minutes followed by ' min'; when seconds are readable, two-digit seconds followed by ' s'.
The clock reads 7 h 01 min 32 s
